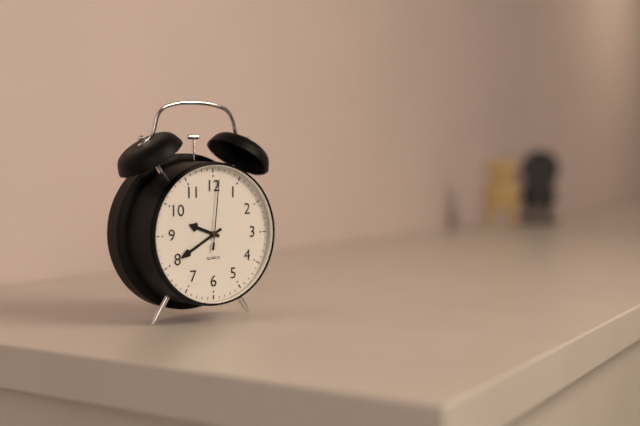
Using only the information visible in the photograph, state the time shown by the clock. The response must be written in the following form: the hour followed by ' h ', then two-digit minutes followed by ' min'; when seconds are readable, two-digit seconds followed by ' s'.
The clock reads 9 h 40 min 01 s
